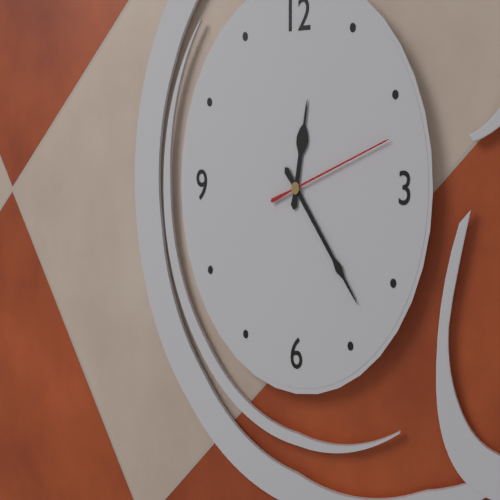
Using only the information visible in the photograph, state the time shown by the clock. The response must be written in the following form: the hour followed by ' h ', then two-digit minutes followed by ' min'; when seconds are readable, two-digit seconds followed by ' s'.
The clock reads 12 h 23 min 12 s
